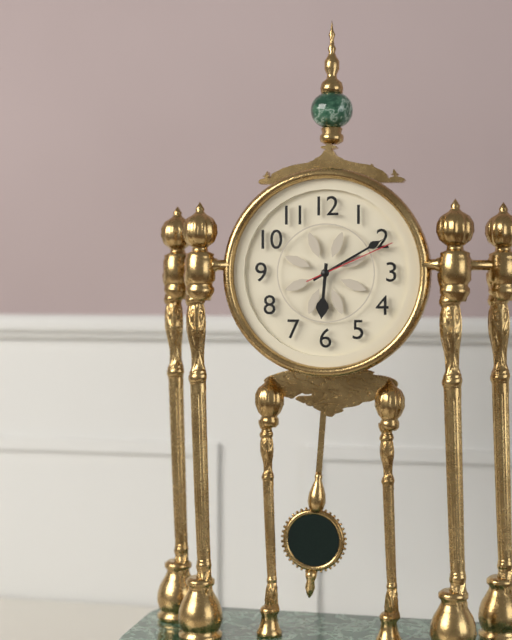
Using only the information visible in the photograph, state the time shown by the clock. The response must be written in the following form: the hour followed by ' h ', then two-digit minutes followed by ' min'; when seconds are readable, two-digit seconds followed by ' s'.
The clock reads 6 h 10 min 11 s
